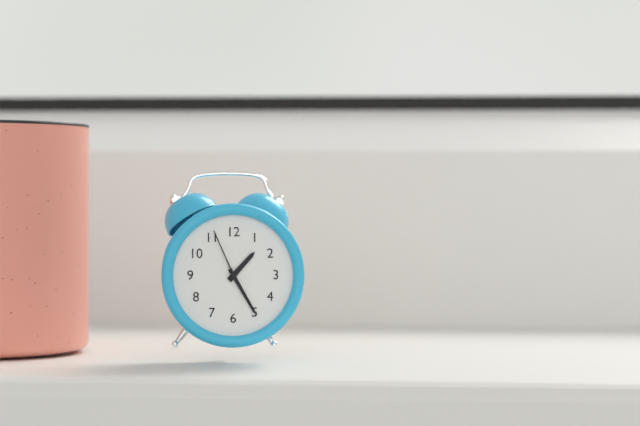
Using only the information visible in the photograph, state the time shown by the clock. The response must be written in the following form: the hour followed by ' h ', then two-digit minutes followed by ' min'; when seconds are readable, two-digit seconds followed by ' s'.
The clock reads 1 h 25 min 56 s
